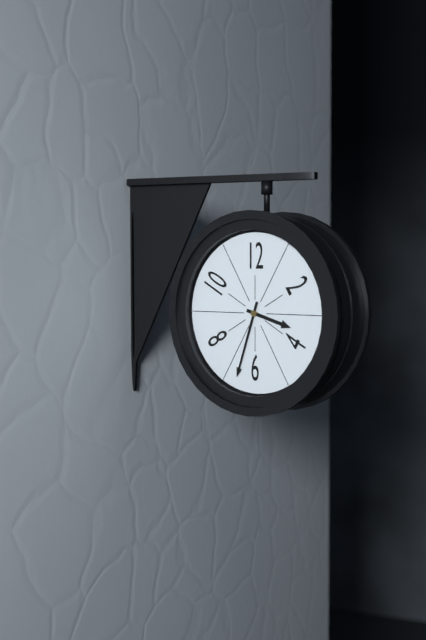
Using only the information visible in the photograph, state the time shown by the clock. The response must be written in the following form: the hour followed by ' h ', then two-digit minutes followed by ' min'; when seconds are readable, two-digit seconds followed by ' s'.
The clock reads 3 h 33 min
